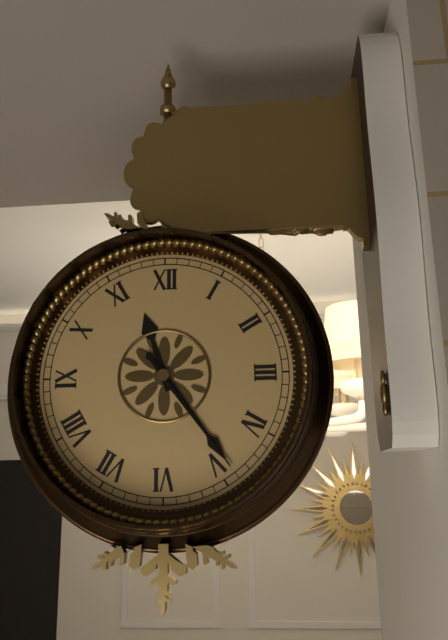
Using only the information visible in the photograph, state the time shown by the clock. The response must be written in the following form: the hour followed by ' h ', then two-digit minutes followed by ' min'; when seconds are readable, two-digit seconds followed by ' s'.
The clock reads 11 h 24 min 24 s
